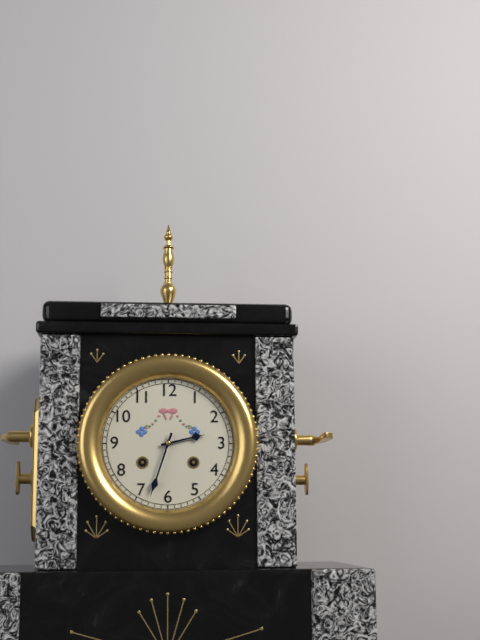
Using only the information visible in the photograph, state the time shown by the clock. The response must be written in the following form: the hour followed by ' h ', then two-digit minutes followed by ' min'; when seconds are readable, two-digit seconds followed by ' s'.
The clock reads 2 h 33 min
